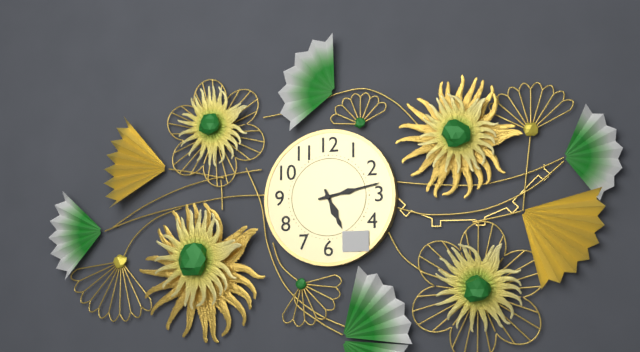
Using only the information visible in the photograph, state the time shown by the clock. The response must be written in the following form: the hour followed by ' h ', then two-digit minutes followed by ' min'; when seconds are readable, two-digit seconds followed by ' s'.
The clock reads 5 h 13 min
